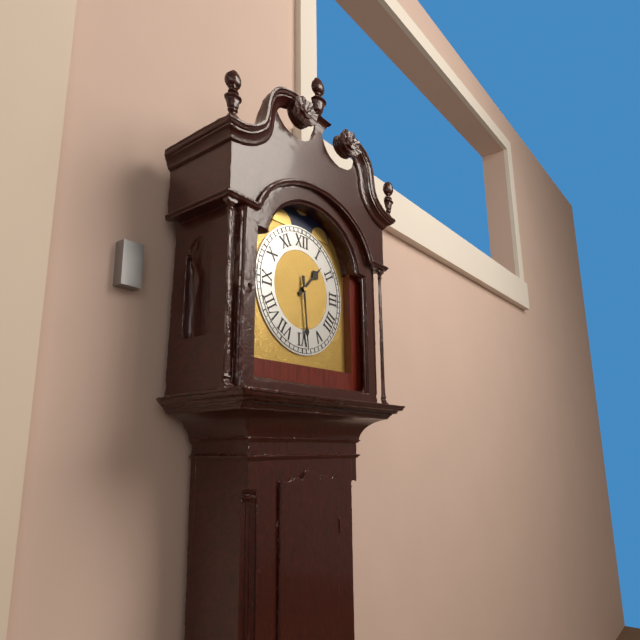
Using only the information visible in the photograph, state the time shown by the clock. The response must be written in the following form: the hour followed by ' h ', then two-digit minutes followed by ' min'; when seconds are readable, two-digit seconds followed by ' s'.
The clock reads 1 h 29 min
